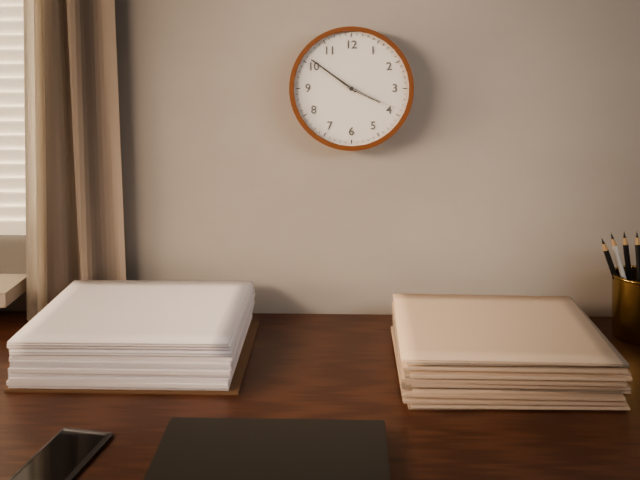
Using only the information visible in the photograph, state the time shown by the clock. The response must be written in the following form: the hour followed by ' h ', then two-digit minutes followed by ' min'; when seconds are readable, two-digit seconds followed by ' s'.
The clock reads 3 h 51 min 19 s
